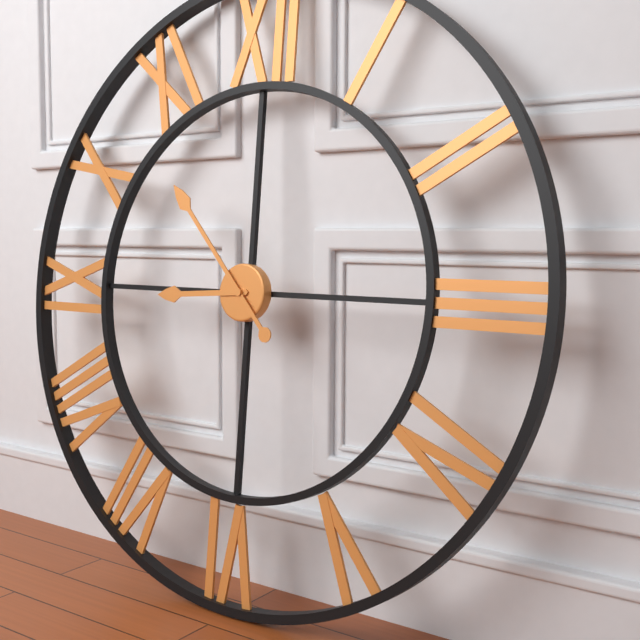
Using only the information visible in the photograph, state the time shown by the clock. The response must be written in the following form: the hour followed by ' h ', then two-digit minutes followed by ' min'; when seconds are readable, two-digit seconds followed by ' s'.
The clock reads 8 h 53 min
